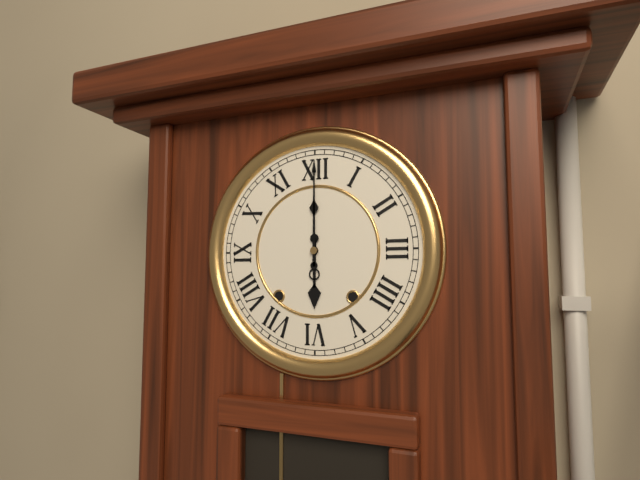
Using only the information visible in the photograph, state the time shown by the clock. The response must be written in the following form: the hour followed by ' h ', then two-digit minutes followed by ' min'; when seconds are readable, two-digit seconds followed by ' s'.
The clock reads 6 h 00 min
